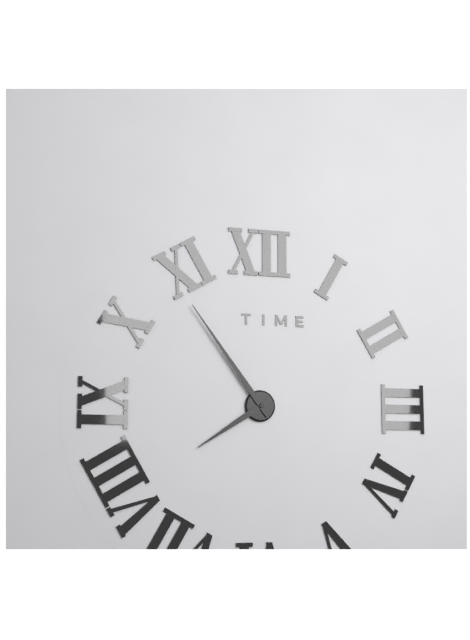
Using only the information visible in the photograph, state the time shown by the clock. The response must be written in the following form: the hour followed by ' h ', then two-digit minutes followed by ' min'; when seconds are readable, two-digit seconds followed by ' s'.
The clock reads 7 h 54 min
